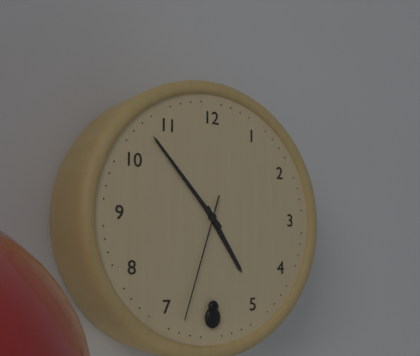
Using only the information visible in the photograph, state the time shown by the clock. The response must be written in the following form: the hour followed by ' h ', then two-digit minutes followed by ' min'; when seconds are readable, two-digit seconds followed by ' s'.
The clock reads 4 h 53 min 33 s
